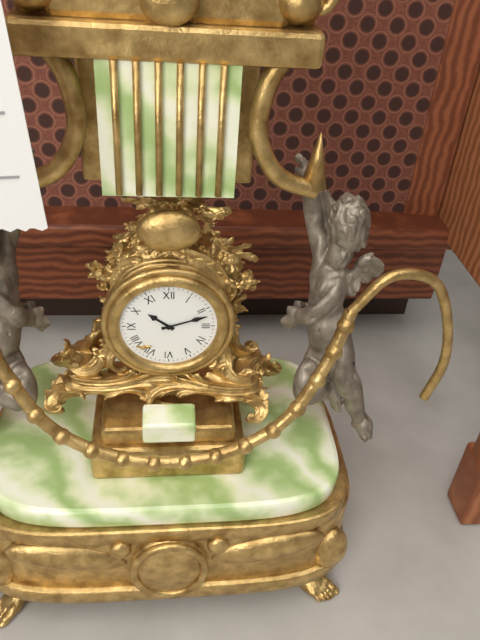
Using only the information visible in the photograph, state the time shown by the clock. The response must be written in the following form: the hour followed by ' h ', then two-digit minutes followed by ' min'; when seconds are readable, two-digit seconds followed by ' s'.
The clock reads 10 h 12 min
